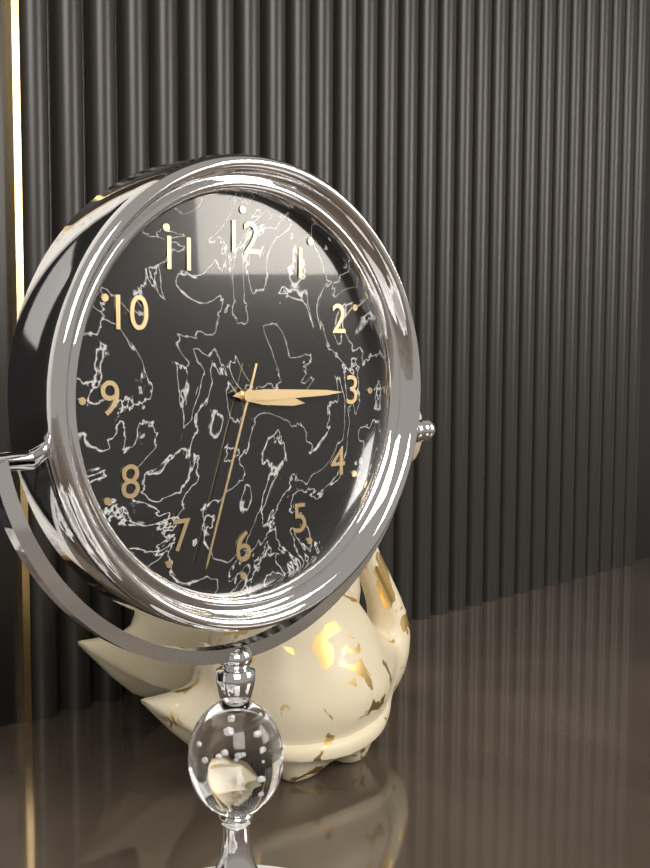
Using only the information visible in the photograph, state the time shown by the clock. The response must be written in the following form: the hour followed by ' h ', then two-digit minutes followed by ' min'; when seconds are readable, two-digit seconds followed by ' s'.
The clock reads 3 h 15 min 33 s
